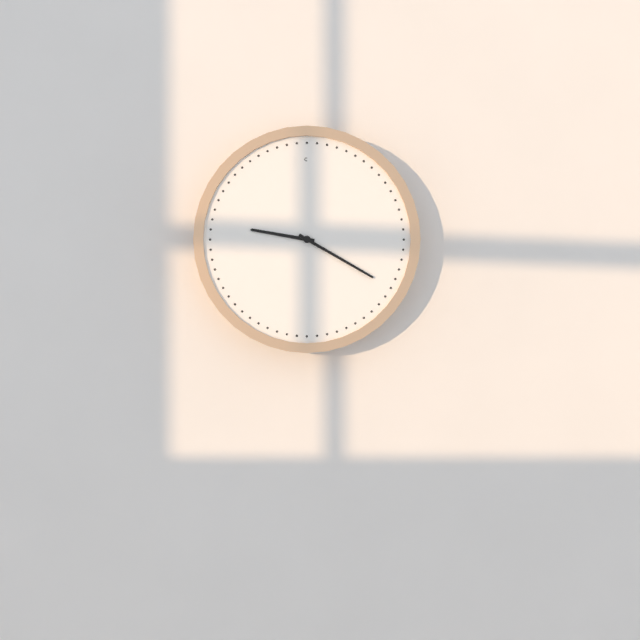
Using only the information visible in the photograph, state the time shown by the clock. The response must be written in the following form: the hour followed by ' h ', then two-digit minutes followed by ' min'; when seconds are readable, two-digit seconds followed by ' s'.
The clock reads 9 h 20 min
